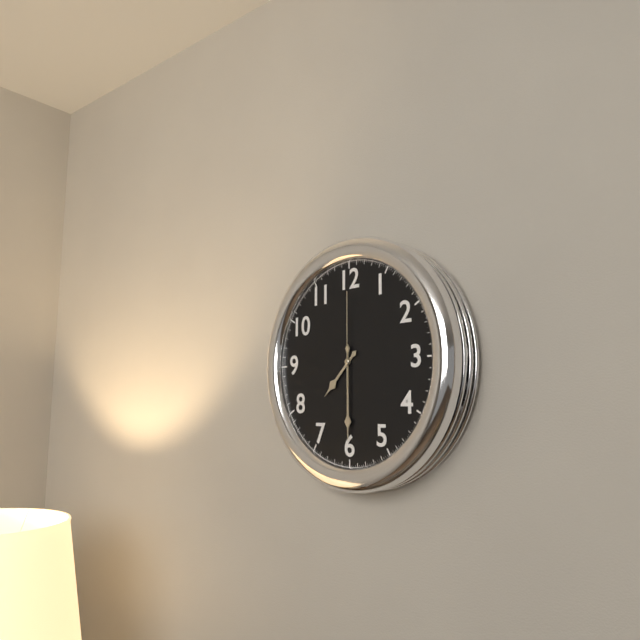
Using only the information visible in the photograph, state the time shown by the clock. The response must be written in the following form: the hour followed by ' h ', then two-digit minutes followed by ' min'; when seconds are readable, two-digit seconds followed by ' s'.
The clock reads 7 h 30 min 00 s
